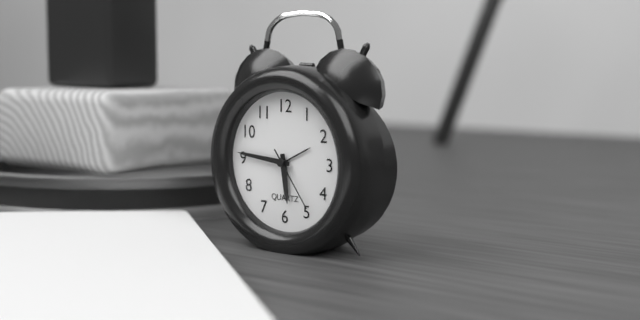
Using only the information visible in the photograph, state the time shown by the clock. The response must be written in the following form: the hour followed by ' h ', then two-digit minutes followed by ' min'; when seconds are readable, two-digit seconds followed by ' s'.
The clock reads 5 h 46 min 24 s
